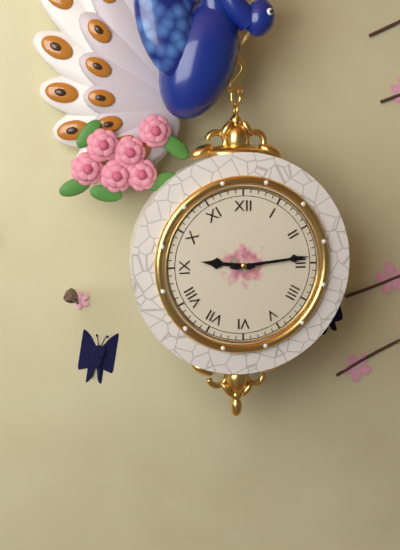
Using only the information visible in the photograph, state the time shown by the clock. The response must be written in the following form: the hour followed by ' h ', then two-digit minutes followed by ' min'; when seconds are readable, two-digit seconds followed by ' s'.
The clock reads 9 h 14 min
